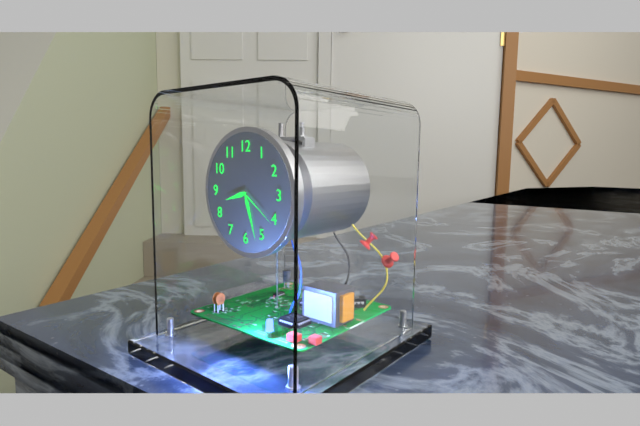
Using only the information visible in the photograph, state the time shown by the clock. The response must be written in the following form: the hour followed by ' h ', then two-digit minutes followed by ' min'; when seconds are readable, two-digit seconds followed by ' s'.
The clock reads 8 h 27 min 21 s
